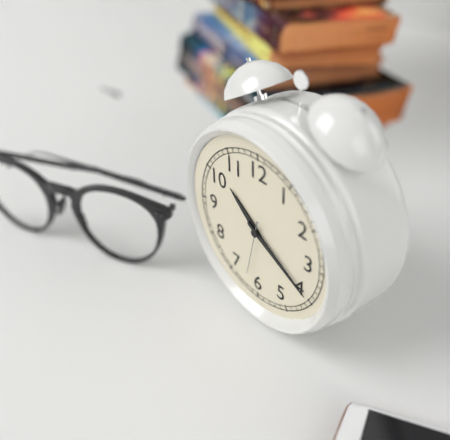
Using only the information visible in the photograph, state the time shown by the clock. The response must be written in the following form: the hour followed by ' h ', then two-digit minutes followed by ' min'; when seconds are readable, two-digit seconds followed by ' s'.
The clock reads 10 h 20 min 32 s
